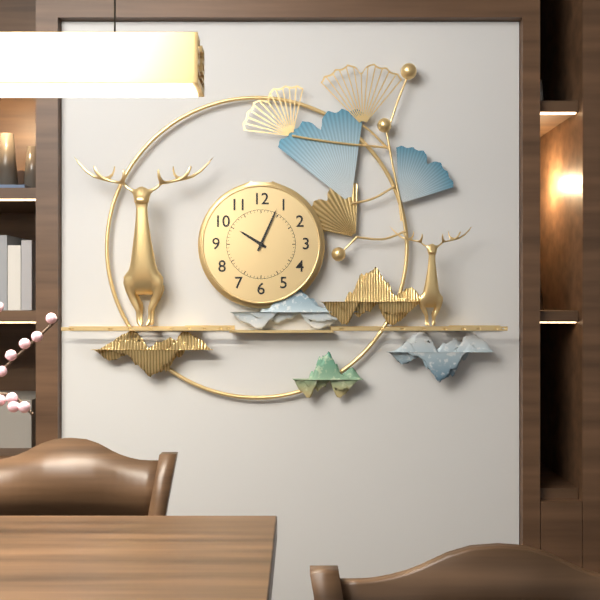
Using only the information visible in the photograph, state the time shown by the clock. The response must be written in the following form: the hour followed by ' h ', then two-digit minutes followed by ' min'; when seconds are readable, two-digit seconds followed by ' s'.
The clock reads 10 h 04 min
